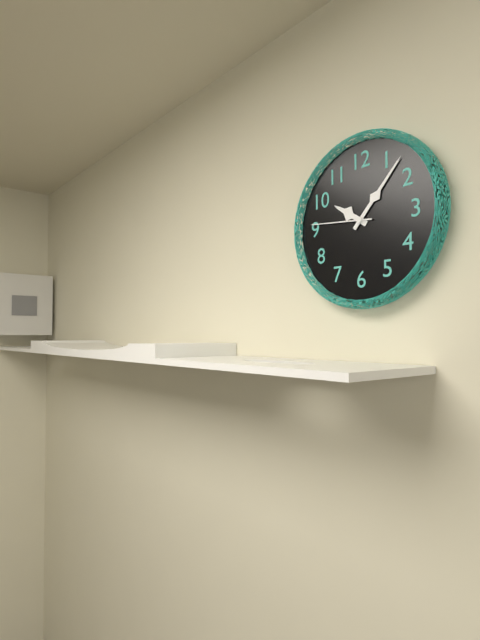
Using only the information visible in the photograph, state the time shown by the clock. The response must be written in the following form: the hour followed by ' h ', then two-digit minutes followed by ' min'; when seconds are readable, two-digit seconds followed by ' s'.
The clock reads 10 h 07 min 46 s
